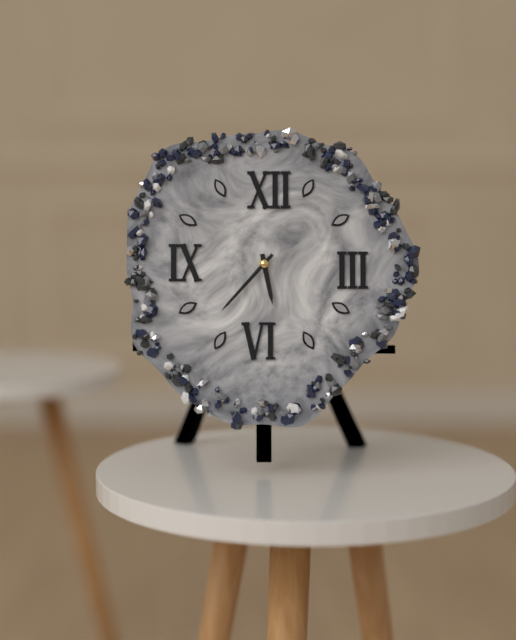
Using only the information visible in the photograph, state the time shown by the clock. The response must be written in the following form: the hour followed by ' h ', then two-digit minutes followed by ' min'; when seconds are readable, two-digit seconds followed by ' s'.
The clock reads 5 h 37 min
